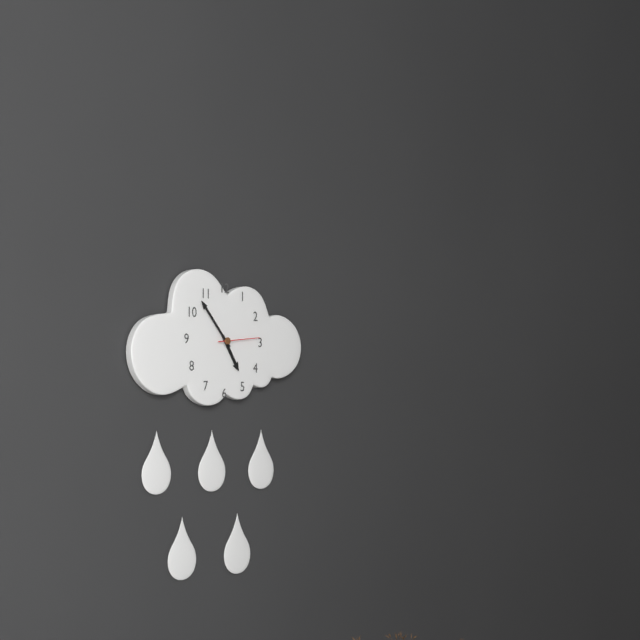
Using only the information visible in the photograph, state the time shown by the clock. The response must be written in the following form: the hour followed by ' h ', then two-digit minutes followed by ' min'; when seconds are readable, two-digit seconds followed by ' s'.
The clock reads 4 h 53 min
